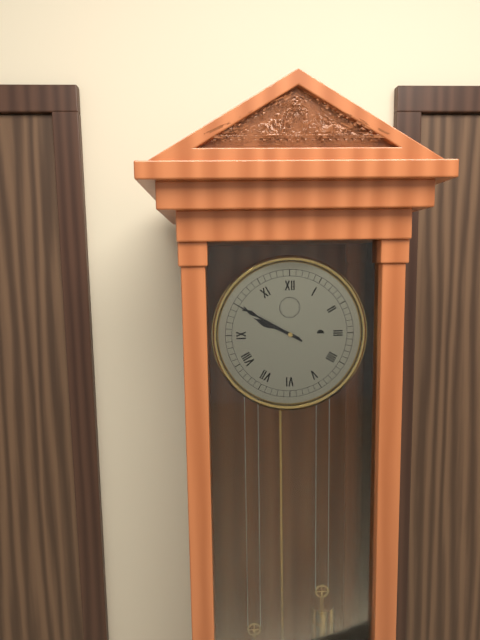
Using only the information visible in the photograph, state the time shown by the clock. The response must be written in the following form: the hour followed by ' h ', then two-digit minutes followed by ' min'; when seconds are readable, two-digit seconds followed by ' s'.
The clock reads 9 h 50 min
